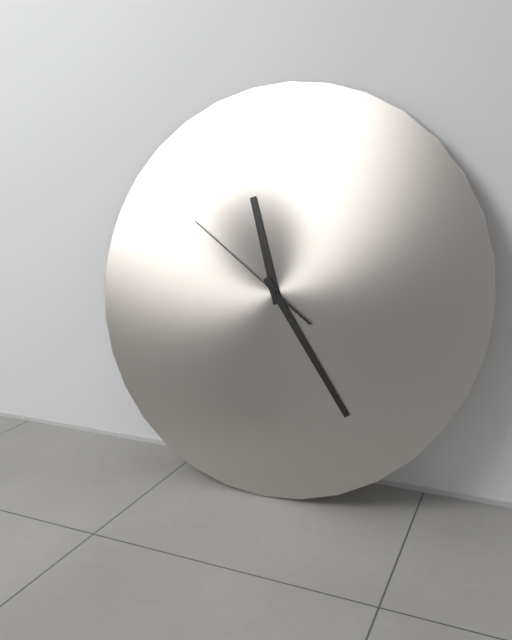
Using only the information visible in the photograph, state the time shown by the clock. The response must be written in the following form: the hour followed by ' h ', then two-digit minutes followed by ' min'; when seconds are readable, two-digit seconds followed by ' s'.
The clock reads 11 h 24 min 51 s
